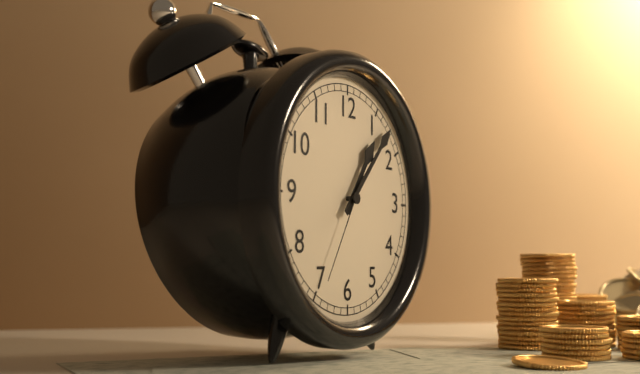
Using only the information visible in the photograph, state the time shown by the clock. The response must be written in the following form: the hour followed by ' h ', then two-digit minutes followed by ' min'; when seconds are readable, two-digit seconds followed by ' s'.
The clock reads 1 h 07 min 35 s
